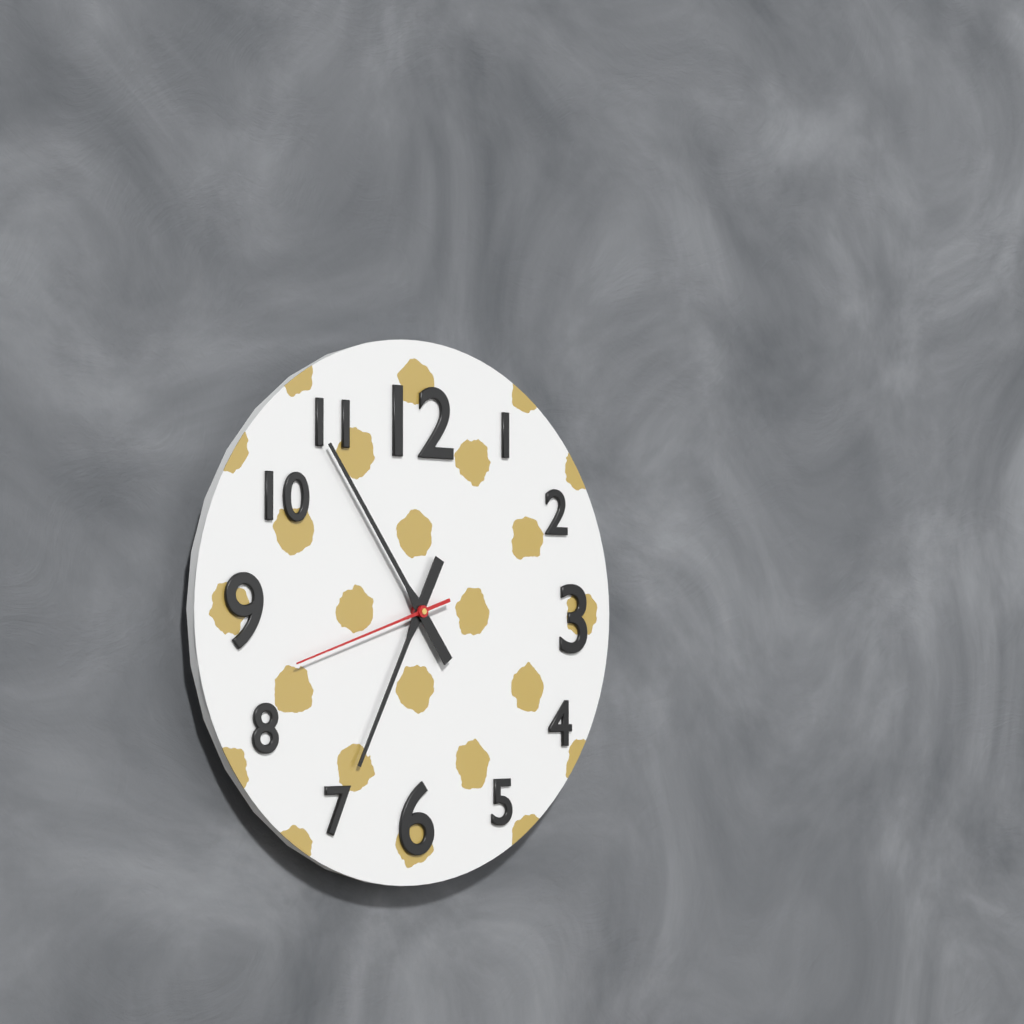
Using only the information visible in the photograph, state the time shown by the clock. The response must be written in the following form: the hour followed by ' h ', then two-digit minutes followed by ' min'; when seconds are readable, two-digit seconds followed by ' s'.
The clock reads 6 h 54 min 42 s
